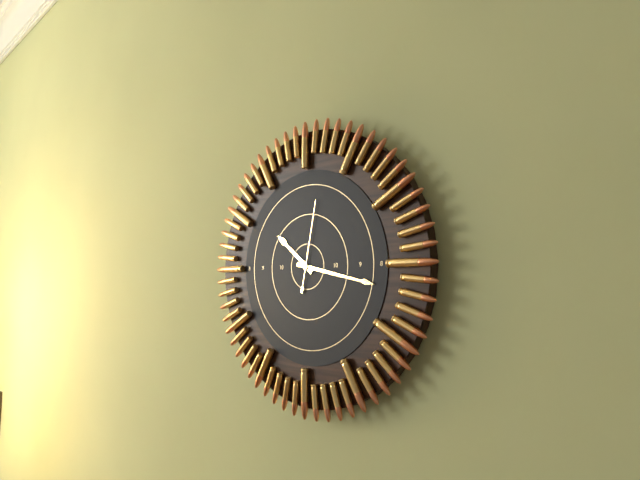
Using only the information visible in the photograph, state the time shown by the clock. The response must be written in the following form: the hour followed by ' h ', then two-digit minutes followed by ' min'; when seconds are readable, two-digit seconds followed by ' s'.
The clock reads 10 h 17 min 02 s
